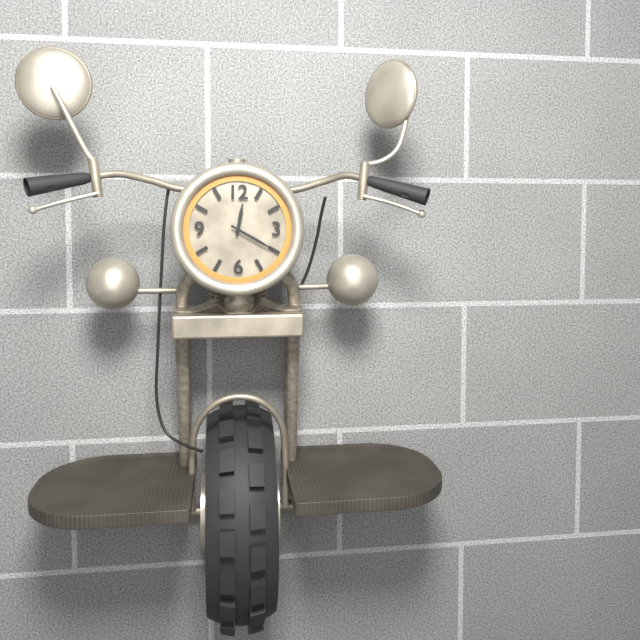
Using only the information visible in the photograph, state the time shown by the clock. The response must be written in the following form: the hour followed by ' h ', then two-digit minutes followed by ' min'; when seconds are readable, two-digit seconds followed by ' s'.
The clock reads 12 h 20 min
